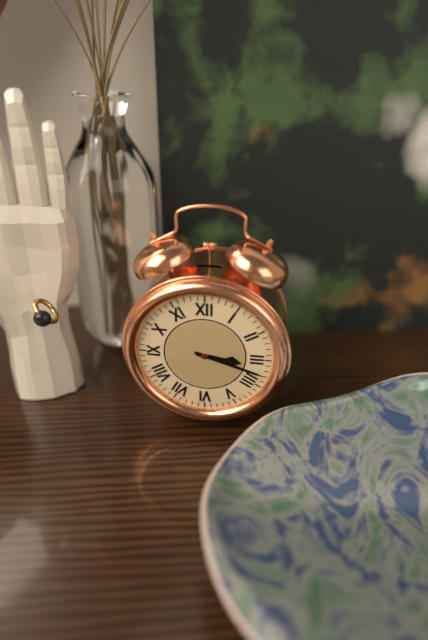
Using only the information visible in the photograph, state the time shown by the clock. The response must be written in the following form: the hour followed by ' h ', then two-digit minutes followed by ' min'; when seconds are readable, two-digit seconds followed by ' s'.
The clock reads 3 h 18 min
